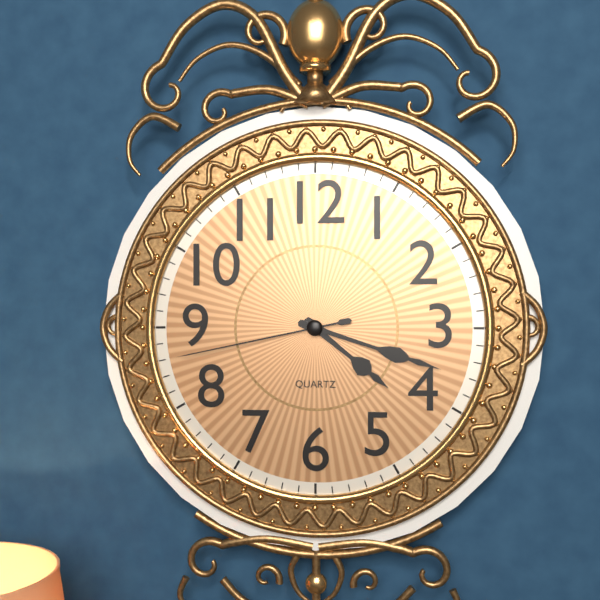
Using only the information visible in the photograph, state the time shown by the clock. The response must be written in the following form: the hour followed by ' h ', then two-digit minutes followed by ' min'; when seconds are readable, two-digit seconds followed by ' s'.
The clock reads 4 h 18 min 43 s
